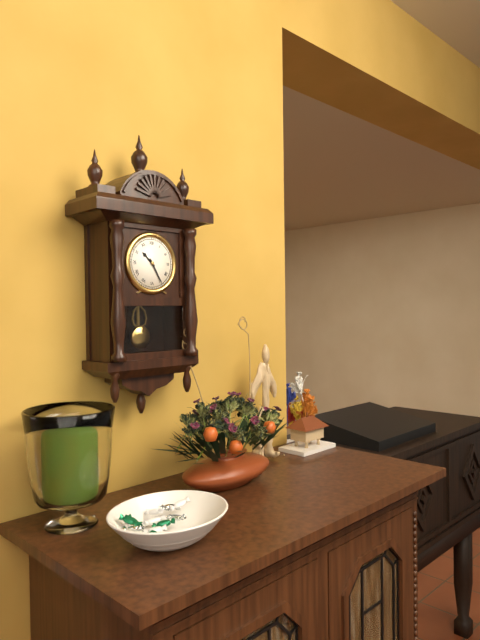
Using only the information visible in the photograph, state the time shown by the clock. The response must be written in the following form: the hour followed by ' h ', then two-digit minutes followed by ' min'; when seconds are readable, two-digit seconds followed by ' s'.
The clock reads 10 h 25 min
